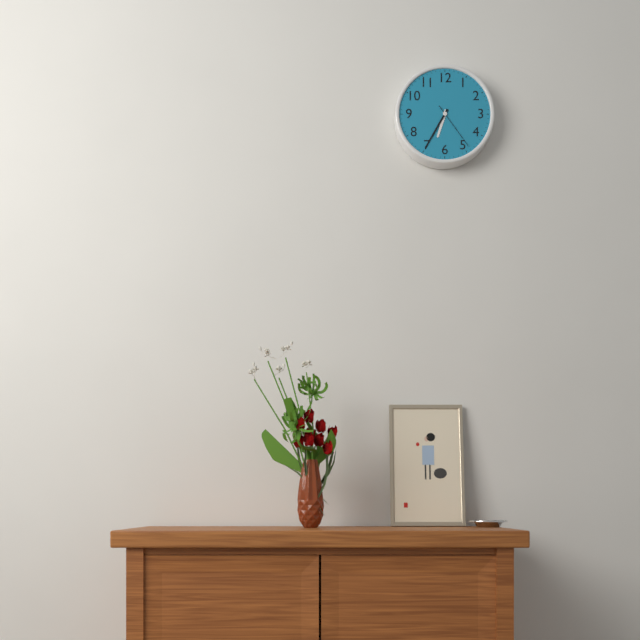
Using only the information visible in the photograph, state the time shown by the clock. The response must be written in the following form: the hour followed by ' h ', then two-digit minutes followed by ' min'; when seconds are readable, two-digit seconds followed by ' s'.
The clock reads 6 h 35 min 24 s
